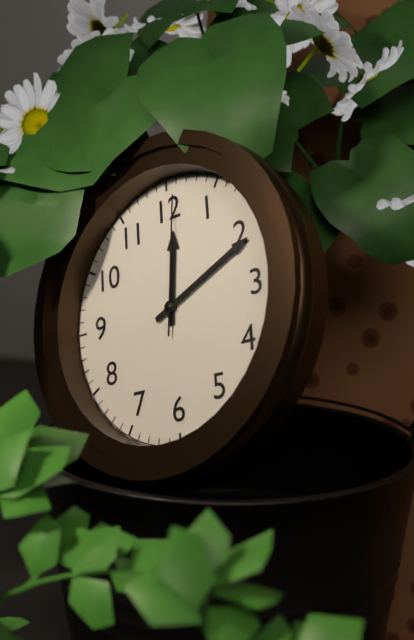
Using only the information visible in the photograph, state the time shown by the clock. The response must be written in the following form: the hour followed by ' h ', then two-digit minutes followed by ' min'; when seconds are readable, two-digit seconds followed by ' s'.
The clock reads 12 h 11 min 01 s
